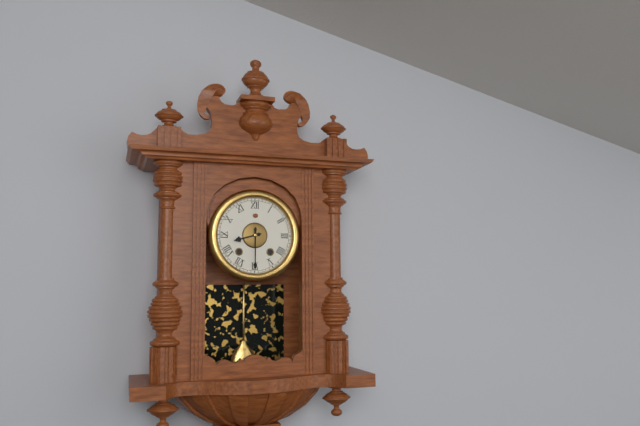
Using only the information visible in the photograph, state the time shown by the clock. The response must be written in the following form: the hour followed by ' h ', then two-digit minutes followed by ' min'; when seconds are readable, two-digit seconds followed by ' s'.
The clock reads 8 h 30 min
